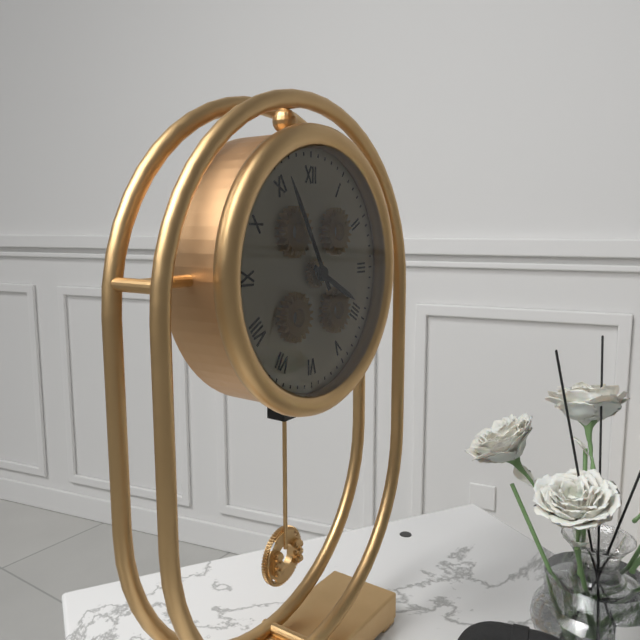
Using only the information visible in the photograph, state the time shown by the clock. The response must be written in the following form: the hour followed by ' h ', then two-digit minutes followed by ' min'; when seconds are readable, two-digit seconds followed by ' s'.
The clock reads 3 h 55 min
